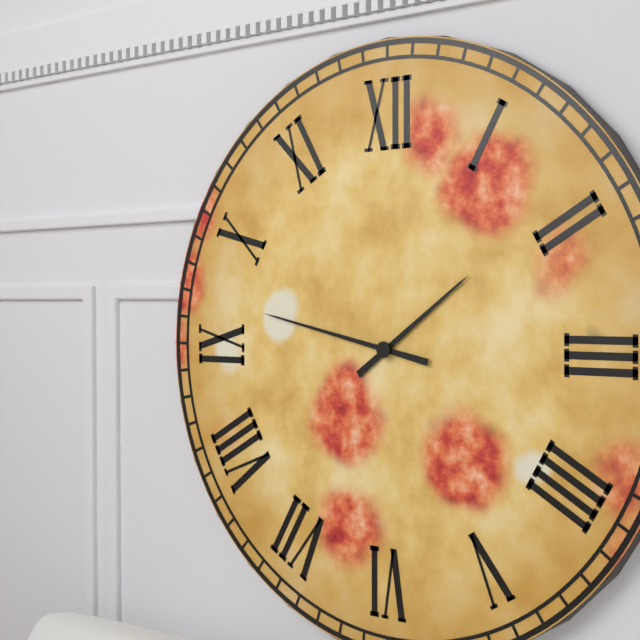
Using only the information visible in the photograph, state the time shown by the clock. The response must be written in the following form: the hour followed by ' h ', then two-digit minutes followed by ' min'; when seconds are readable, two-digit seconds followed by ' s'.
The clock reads 1 h 47 min
